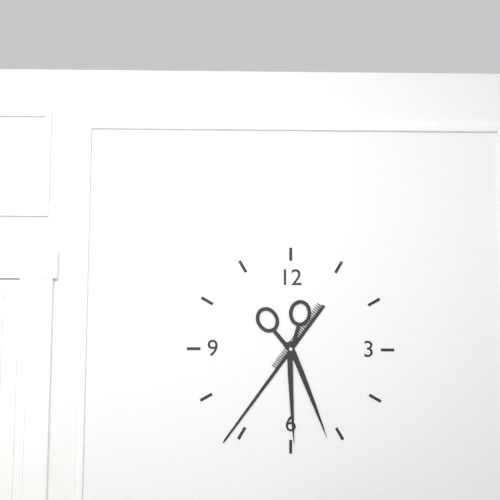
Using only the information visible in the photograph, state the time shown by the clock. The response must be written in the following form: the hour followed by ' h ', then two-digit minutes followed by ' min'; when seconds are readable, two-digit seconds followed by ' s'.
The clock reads 5 h 36 min
